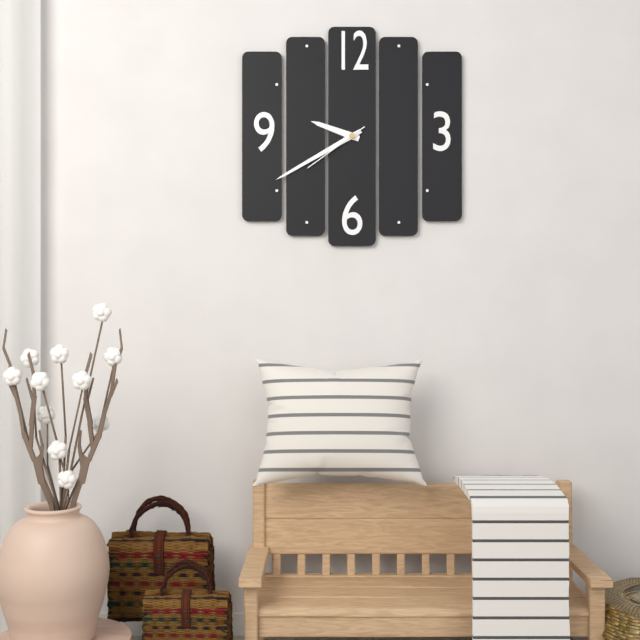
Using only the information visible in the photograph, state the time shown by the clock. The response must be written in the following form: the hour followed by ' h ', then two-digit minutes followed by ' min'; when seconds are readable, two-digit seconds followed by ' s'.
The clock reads 9 h 40 min 39 s
